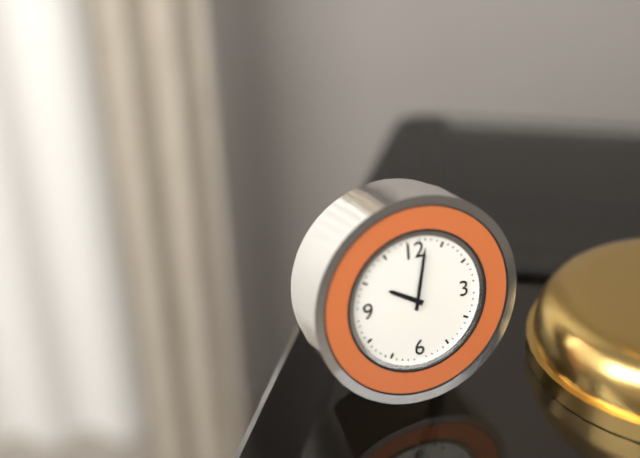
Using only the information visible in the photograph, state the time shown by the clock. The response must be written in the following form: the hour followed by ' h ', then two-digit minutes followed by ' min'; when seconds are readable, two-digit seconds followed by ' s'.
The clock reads 10 h 02 min
